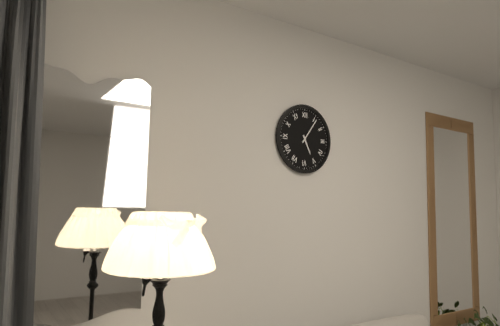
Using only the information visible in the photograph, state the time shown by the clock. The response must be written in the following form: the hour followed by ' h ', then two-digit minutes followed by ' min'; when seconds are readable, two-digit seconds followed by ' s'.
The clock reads 5 h 06 min
